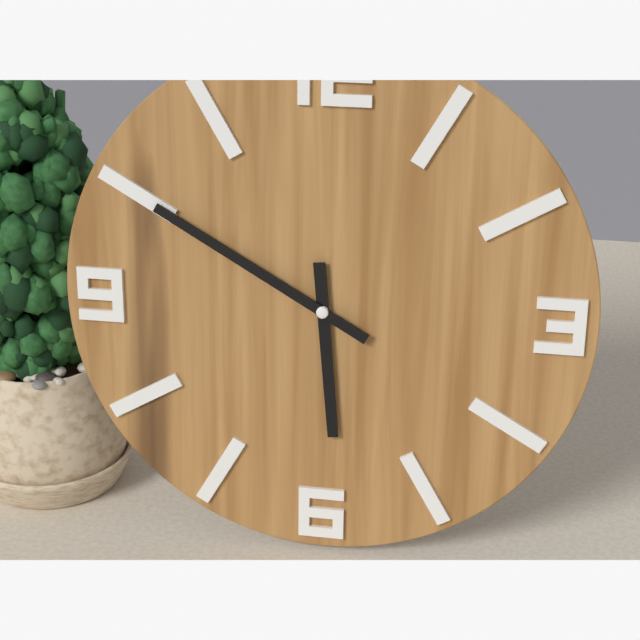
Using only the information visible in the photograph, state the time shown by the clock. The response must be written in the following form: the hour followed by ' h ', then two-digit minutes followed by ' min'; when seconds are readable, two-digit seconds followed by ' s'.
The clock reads 5 h 50 min
